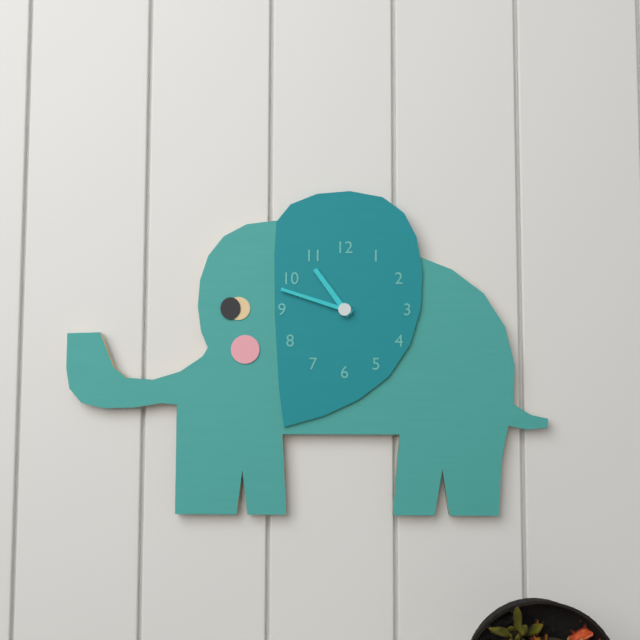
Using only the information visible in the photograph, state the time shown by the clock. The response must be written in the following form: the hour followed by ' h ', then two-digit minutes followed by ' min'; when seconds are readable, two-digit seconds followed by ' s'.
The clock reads 10 h 48 min
